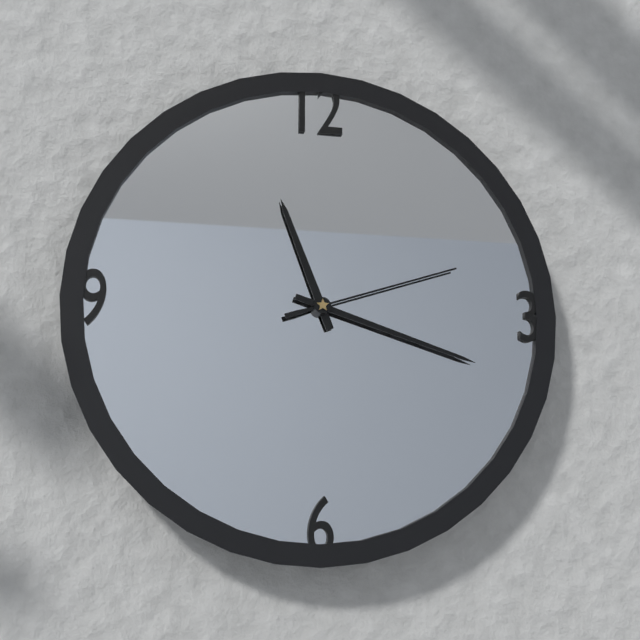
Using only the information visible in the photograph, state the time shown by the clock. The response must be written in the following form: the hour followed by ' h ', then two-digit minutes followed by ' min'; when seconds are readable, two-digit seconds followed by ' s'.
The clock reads 11 h 18 min 12 s
